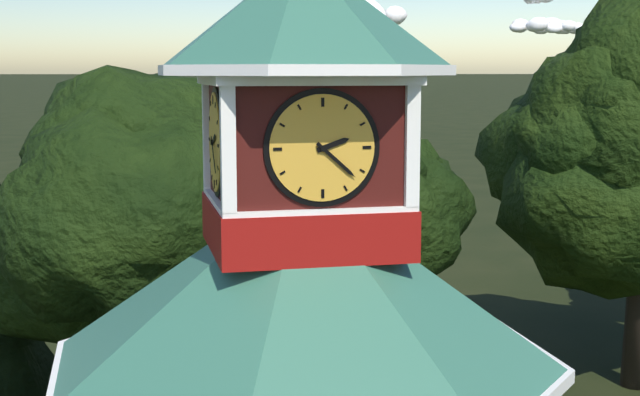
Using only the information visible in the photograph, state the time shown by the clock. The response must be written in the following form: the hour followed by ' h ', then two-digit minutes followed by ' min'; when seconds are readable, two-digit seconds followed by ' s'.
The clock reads 2 h 22 min
